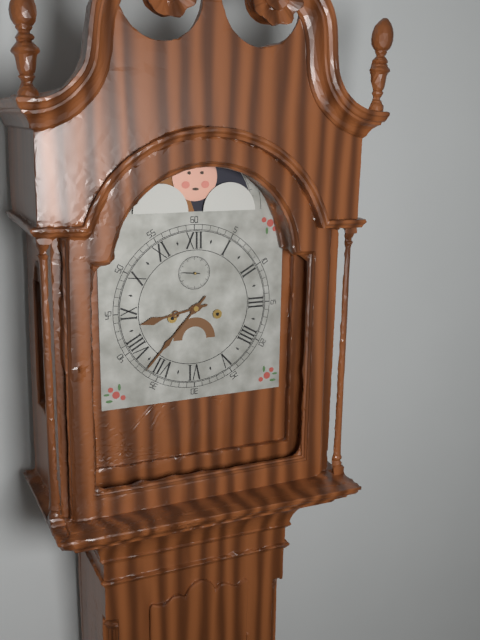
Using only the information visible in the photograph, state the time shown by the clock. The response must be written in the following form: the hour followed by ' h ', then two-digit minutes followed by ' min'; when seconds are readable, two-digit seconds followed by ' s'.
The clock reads 8 h 37 min
